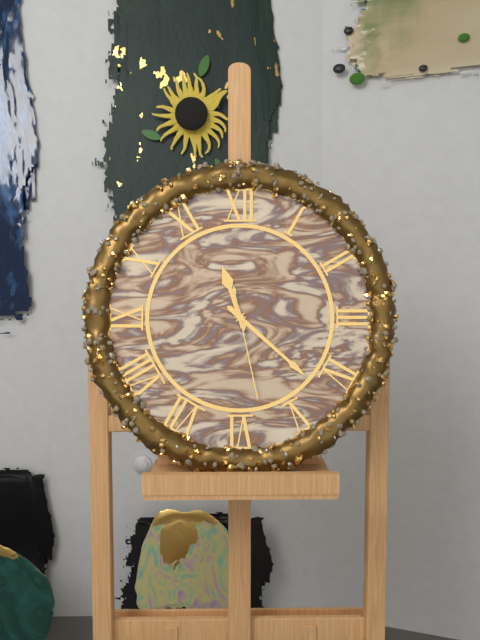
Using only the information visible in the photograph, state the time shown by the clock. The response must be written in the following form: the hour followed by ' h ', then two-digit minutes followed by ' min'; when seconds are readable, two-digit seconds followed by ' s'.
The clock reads 11 h 22 min 28 s
